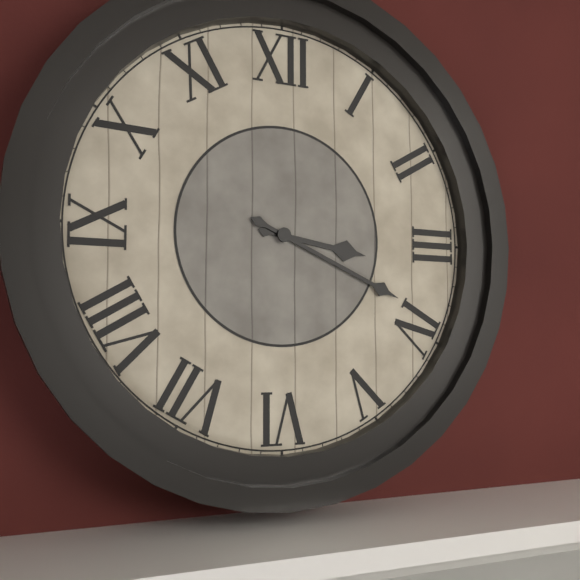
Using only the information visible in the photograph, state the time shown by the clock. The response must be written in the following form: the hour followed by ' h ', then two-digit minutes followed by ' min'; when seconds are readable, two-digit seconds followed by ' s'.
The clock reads 3 h 19 min
